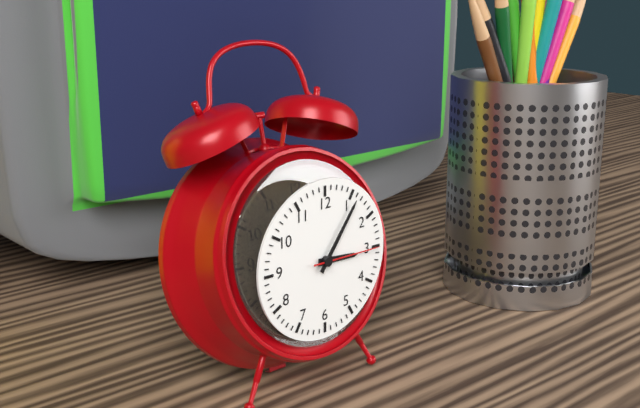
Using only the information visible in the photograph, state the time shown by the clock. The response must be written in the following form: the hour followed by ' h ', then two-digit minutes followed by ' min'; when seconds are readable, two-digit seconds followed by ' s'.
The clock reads 3 h 06 min 15 s
